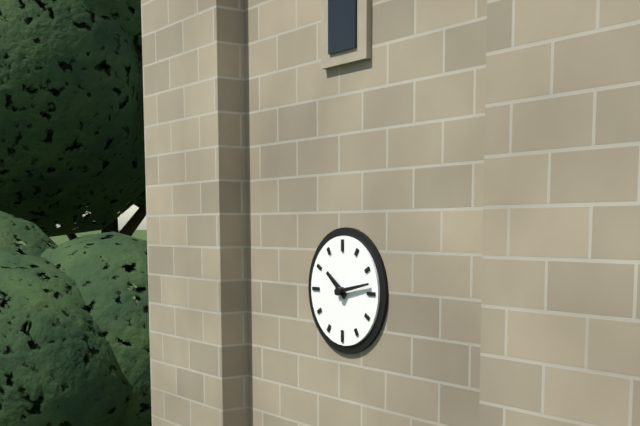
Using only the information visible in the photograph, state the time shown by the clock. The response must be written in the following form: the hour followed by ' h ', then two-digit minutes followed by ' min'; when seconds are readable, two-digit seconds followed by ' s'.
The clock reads 10 h 13 min
